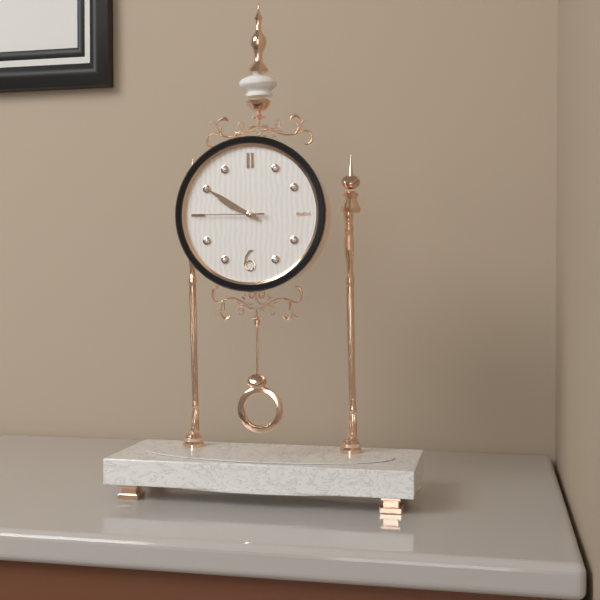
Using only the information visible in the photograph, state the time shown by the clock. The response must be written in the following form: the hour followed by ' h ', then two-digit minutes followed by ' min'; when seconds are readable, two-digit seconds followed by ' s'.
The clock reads 9 h 50 min 45 s
